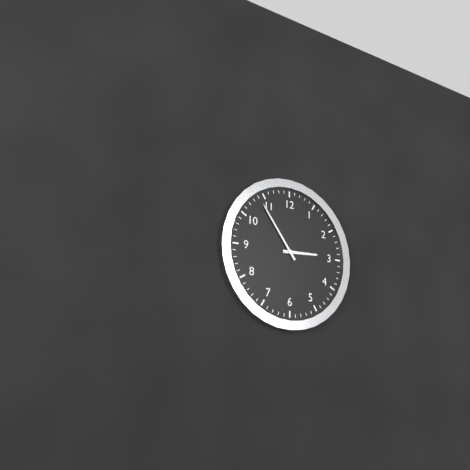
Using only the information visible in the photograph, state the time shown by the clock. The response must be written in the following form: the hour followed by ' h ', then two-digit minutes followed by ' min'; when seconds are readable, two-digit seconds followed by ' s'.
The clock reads 2 h 54 min
